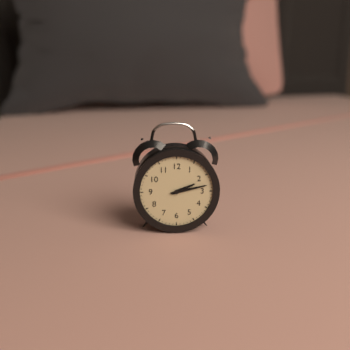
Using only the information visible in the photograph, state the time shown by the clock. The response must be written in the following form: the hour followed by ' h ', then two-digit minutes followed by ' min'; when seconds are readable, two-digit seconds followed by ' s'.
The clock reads 2 h 13 min
